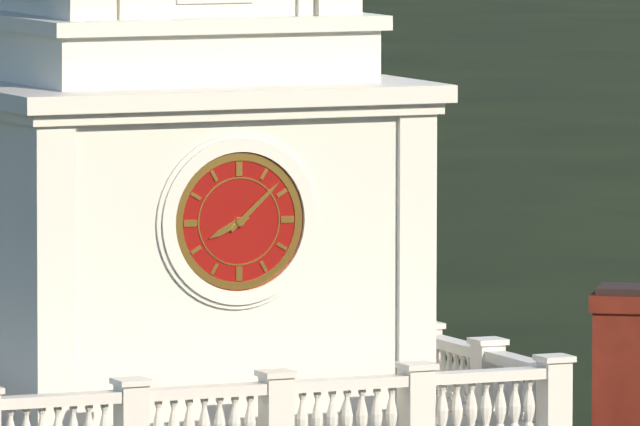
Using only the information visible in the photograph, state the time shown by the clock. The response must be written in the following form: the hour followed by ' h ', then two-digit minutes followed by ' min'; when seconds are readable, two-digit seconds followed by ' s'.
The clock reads 8 h 08 min
